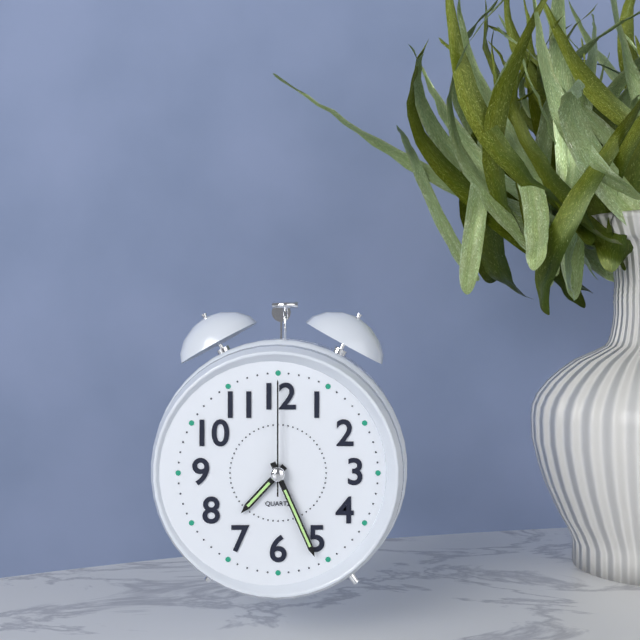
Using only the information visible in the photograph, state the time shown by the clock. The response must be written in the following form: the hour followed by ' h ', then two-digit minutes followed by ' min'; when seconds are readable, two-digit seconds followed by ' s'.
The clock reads 7 h 26 min 00 s
